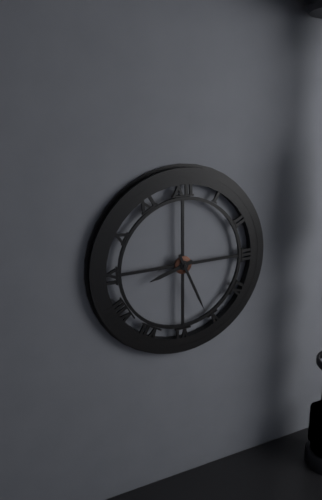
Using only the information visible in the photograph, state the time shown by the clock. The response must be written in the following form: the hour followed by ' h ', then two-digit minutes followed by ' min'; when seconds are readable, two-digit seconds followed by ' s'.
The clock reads 8 h 26 min
